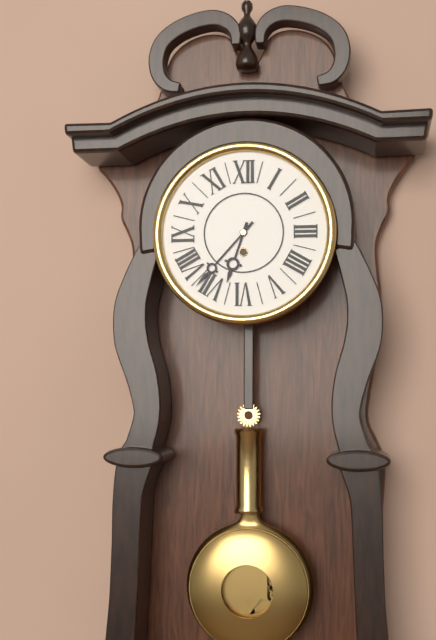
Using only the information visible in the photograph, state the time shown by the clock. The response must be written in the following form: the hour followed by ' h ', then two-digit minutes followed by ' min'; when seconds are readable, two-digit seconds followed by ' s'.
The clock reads 6 h 37 min
